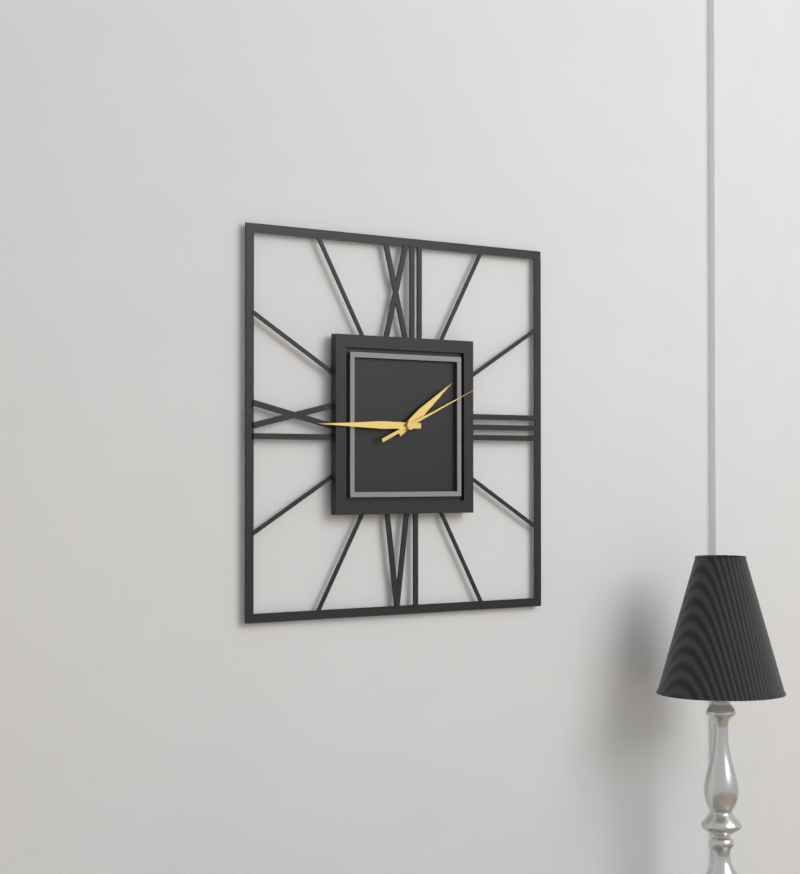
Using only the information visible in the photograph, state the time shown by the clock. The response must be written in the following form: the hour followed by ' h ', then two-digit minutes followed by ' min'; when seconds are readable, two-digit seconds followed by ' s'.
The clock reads 1 h 45 min 11 s
